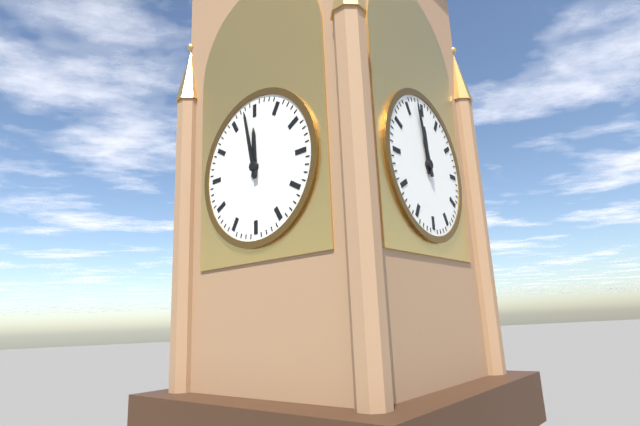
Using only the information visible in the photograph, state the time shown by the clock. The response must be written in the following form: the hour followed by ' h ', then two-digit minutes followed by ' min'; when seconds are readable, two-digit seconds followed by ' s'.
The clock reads 11 h 58 min
